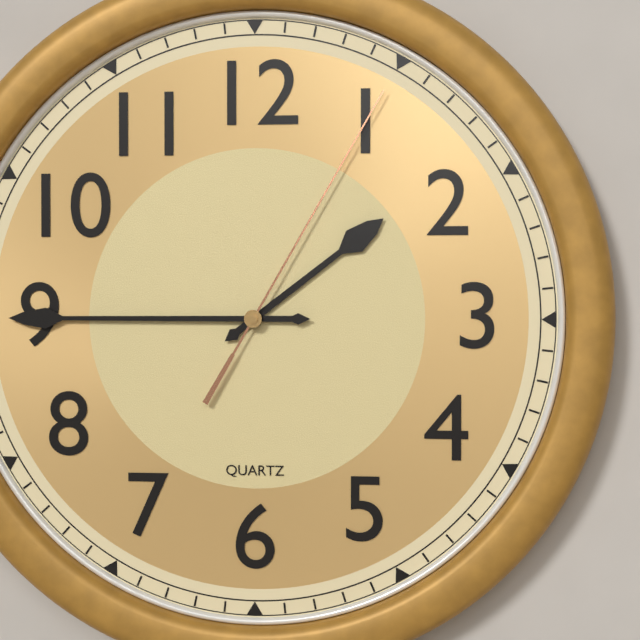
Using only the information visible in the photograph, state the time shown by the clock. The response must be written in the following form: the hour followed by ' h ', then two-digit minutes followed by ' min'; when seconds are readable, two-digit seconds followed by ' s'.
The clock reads 1 h 45 min 05 s
